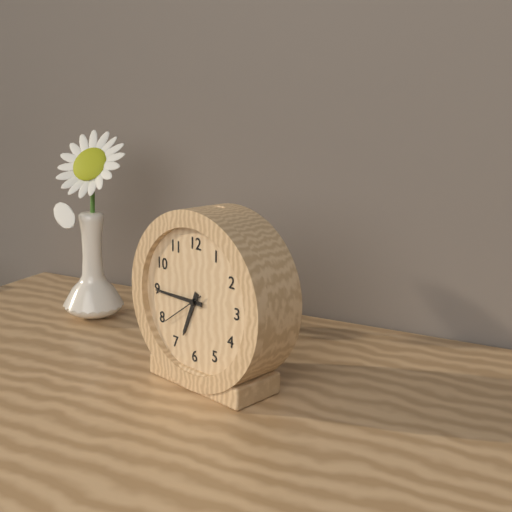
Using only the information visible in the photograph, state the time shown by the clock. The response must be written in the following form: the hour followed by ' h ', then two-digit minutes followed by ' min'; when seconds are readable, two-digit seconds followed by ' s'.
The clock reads 6 h 45 min
